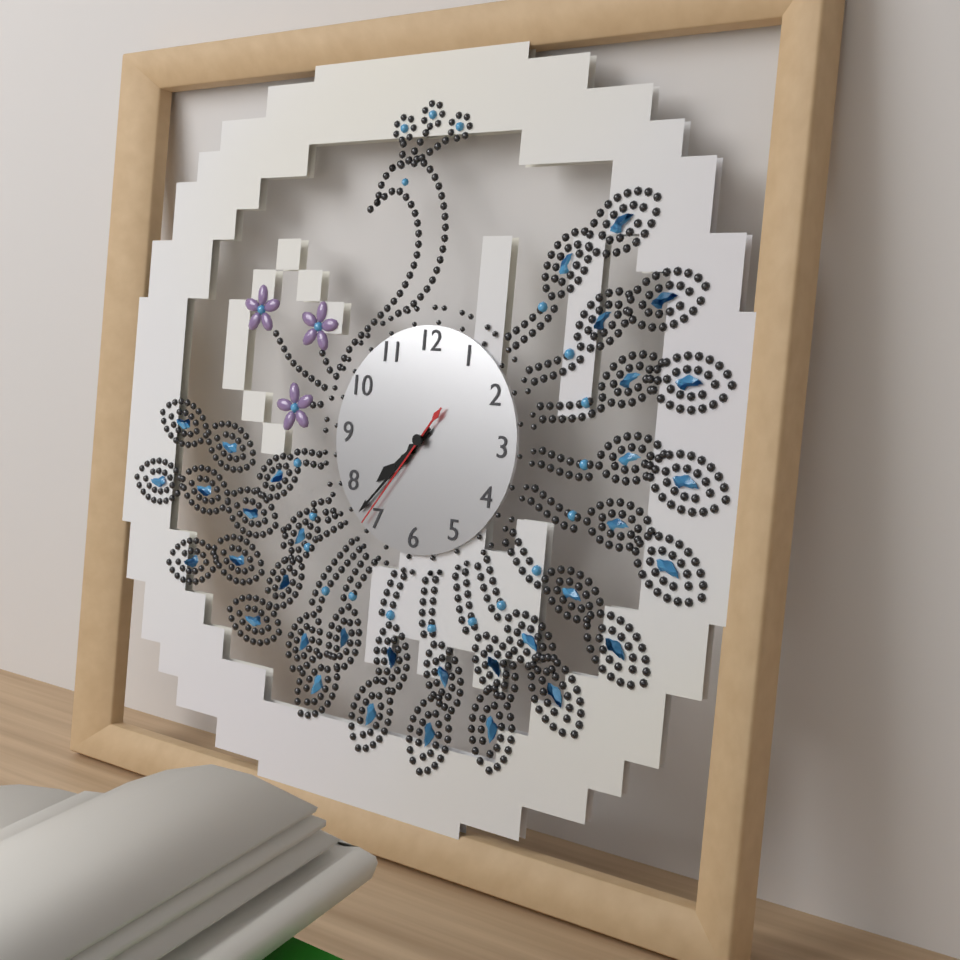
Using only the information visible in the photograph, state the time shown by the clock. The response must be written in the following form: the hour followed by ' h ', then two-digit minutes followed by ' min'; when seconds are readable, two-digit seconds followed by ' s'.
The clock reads 7 h 37 min 36 s
